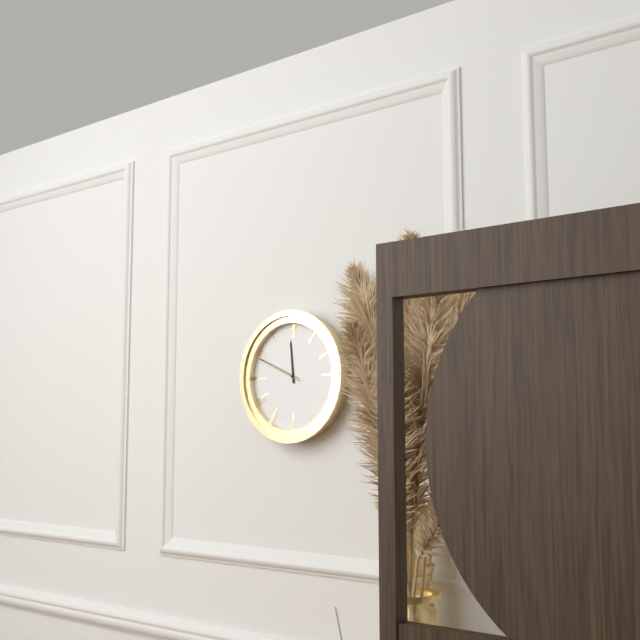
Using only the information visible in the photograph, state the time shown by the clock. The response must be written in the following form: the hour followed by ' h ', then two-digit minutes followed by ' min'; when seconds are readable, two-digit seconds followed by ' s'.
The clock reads 11 h 49 min
